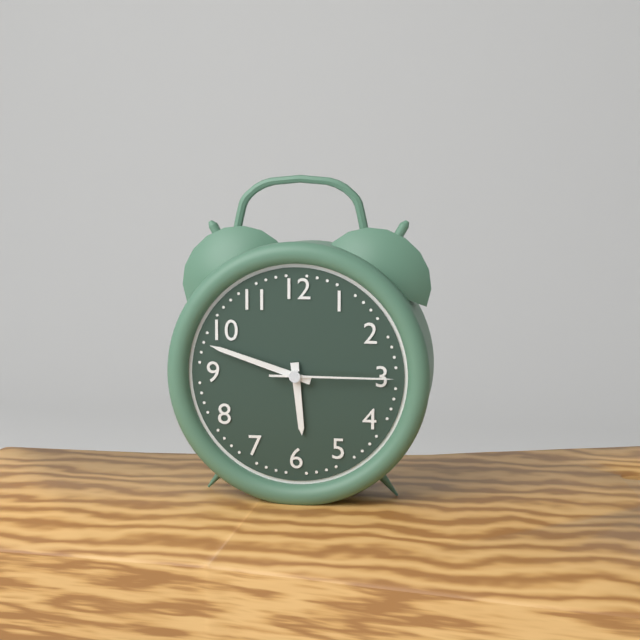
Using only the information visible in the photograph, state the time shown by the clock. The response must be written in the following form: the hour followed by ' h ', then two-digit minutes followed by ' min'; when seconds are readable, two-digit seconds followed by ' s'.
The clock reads 5 h 48 min 15 s
